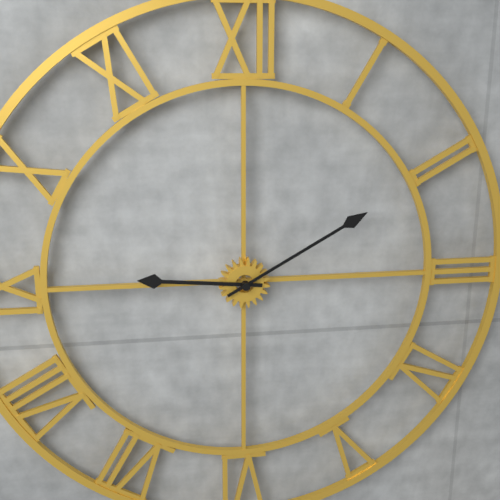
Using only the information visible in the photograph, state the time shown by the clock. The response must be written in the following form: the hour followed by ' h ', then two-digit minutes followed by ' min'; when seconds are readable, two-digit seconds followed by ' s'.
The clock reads 9 h 10 min
